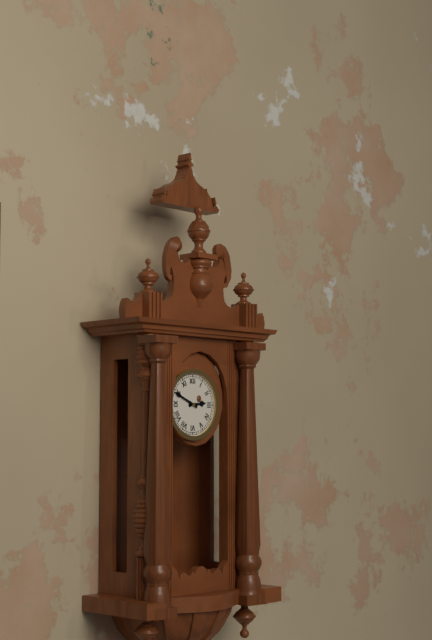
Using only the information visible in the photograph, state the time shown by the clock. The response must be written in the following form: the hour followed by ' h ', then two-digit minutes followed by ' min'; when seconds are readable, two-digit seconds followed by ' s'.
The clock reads 2 h 49 min
